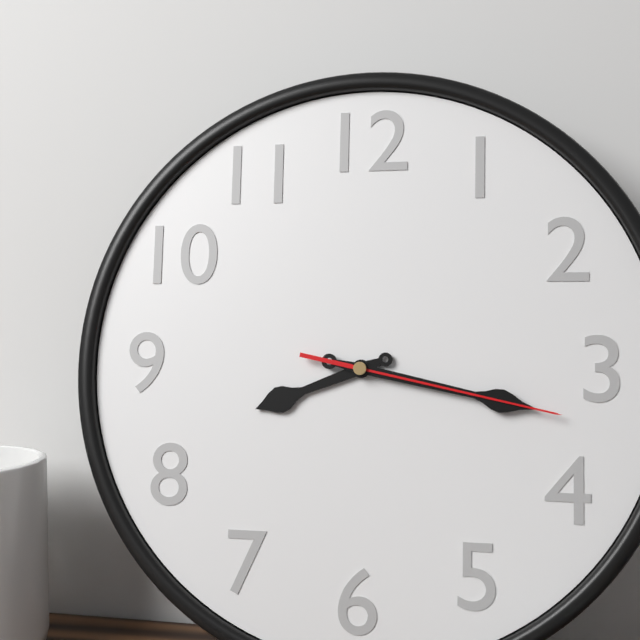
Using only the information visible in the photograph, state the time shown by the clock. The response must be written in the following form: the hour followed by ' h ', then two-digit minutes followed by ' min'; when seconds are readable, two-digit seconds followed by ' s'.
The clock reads 8 h 17 min 17 s
